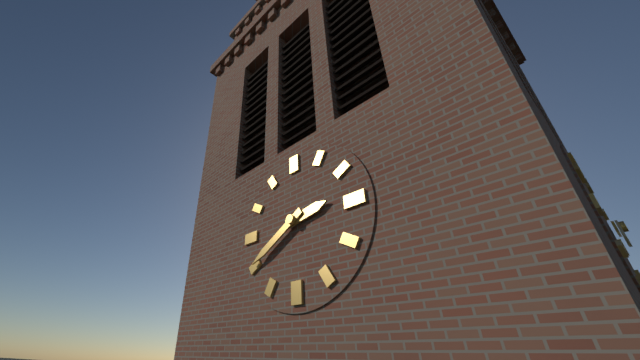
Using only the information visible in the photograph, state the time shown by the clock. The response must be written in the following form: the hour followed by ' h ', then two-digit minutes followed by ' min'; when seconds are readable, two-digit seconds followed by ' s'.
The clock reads 2 h 40 min
